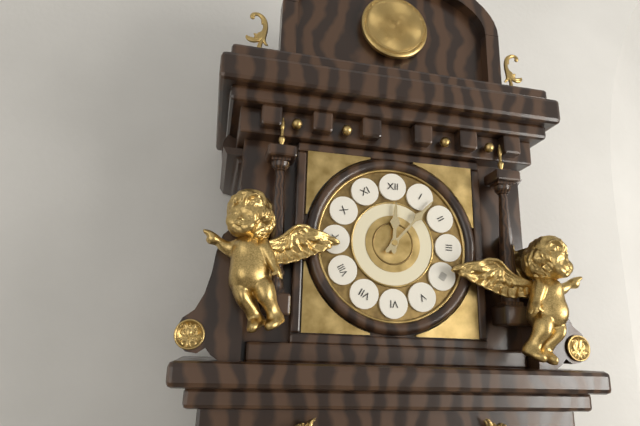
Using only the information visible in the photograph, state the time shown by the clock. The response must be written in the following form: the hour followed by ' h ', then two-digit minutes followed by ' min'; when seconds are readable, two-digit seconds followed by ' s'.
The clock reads 12 h 07 min
